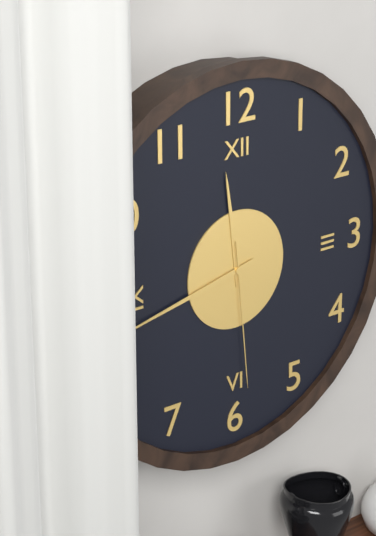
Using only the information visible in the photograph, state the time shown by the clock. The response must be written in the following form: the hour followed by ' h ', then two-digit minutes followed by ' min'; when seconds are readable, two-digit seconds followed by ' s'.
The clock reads 11 h 43 min 29 s
